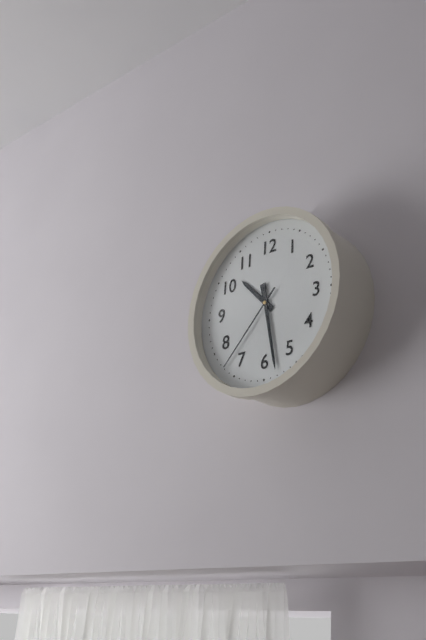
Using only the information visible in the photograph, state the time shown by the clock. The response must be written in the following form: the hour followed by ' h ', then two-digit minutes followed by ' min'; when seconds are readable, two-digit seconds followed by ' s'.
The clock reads 10 h 28 min 37 s
